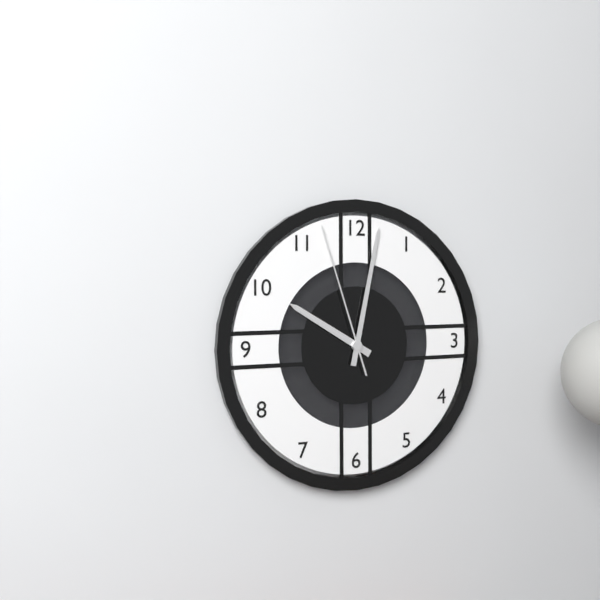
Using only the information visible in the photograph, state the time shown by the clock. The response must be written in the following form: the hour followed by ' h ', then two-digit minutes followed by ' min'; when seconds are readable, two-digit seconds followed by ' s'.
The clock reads 10 h 02 min 57 s
